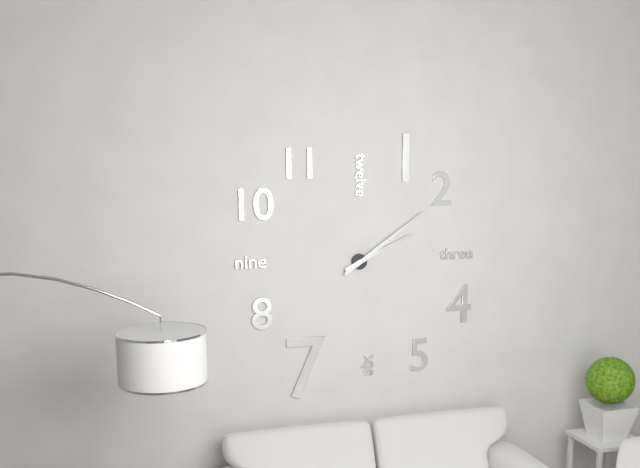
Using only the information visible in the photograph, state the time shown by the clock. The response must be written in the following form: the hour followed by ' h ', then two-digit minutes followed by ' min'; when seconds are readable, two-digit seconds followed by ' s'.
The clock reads 2 h 09 min
